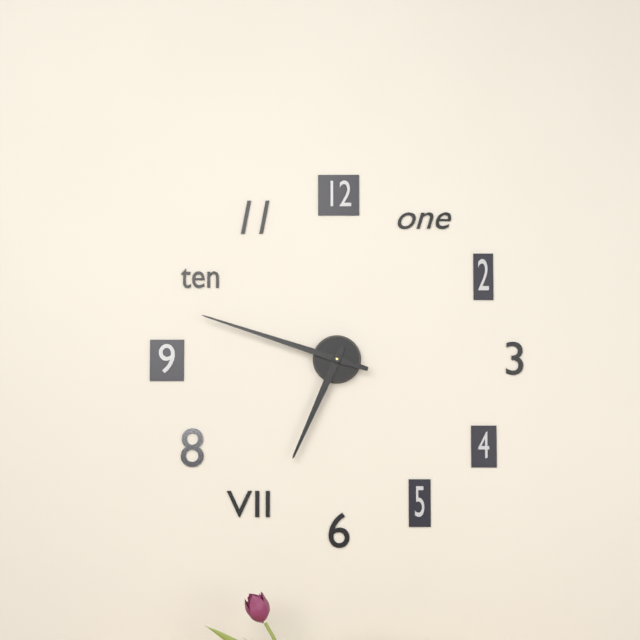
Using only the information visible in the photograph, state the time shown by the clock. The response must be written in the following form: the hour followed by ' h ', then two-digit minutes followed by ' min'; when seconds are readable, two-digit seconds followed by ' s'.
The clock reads 6 h 48 min
